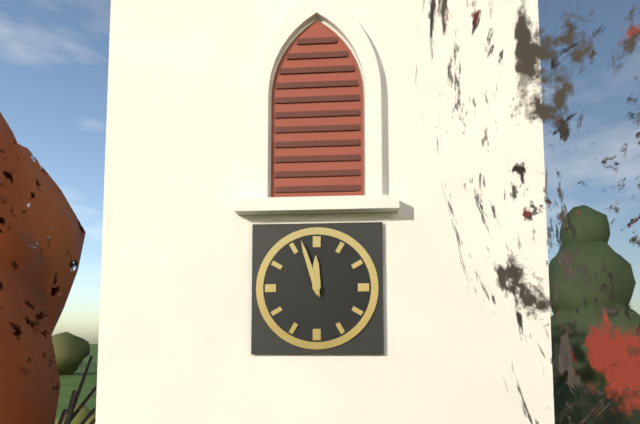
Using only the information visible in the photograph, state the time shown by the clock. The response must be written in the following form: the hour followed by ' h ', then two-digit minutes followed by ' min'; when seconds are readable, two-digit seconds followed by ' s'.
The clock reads 11 h 57 min
